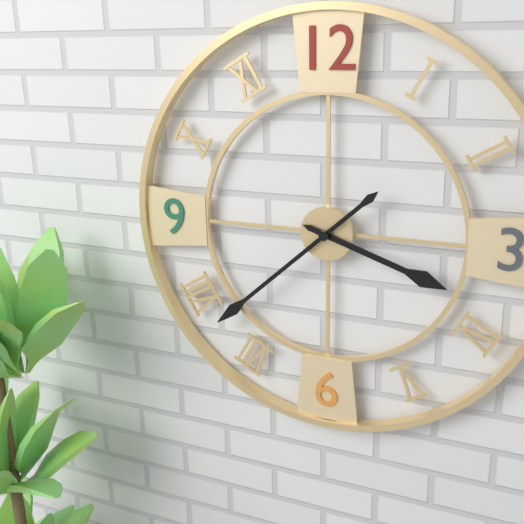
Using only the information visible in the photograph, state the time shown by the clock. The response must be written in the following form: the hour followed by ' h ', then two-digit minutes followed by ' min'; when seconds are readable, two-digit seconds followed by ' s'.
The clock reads 3 h 38 min
